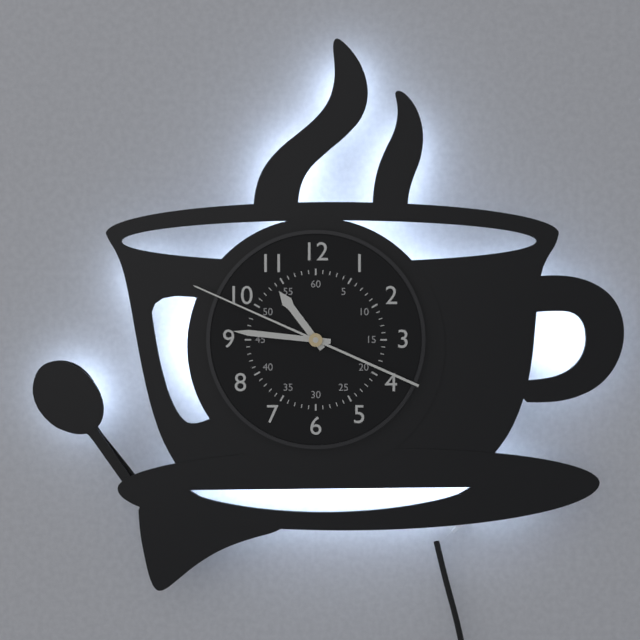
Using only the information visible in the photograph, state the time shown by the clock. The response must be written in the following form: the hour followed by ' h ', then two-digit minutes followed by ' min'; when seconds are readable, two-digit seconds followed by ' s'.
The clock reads 10 h 46 min 49 s
